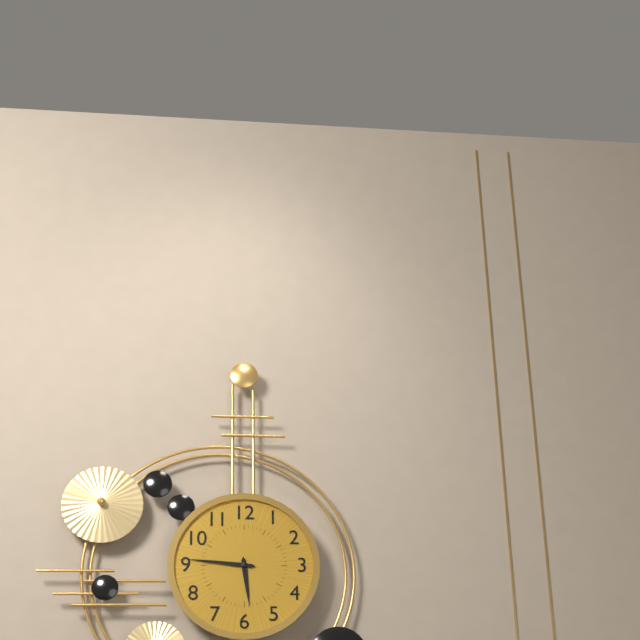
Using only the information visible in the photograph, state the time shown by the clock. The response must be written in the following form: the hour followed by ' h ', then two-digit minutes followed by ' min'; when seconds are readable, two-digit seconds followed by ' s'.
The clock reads 5 h 46 min
